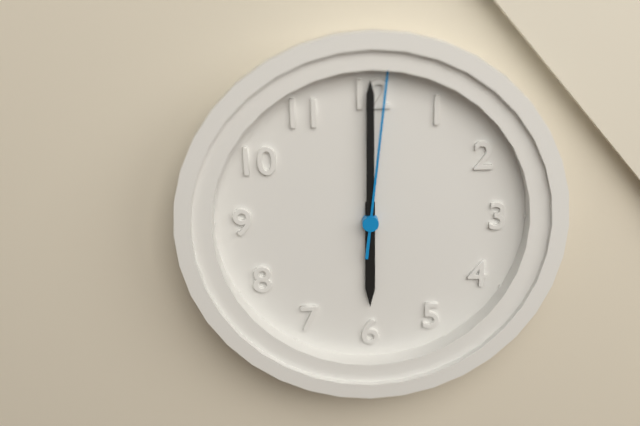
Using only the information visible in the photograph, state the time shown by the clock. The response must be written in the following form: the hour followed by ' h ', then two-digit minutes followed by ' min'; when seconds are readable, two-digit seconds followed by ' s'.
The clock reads 6 h 00 min 01 s
